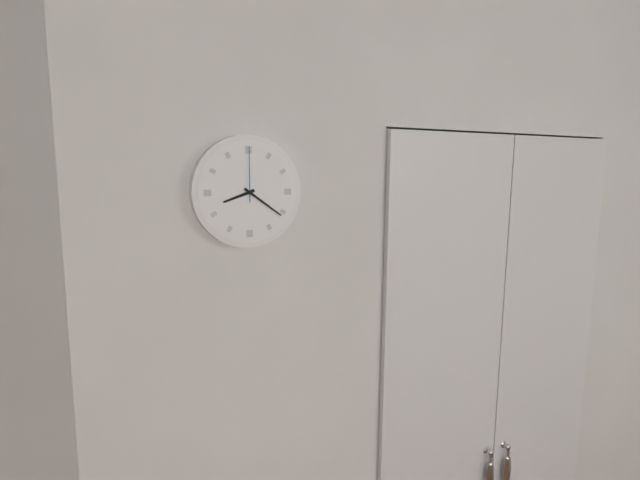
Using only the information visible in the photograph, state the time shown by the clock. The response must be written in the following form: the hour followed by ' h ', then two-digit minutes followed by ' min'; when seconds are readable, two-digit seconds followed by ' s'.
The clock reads 8 h 21 min 00 s
